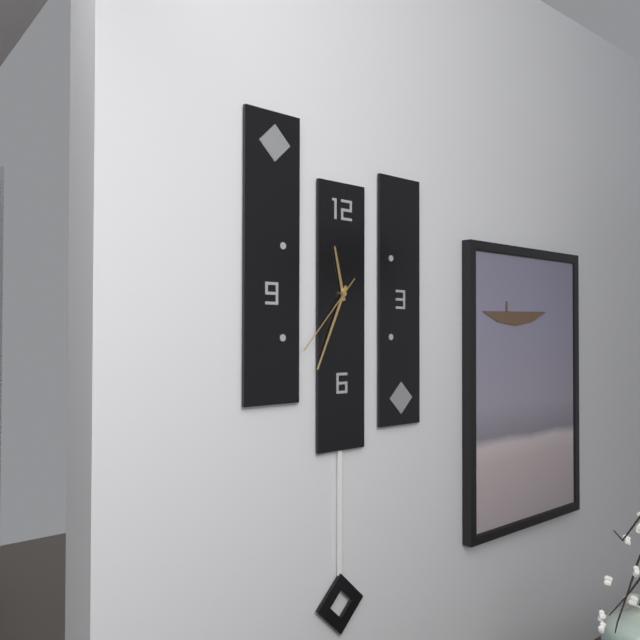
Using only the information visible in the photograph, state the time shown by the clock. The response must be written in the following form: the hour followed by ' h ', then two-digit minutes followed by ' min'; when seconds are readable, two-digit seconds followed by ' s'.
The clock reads 11 h 34 min 37 s
